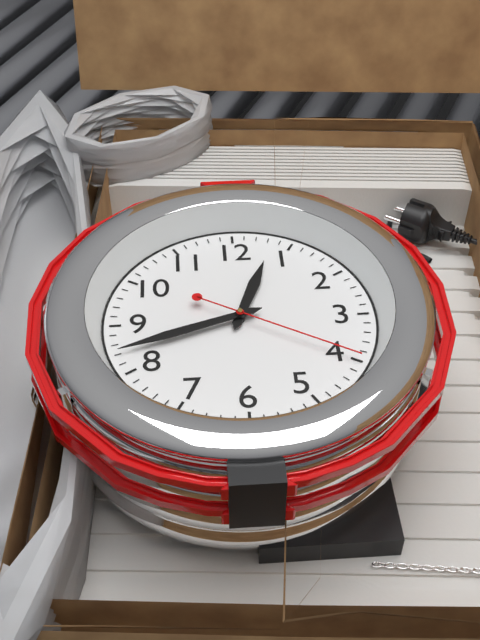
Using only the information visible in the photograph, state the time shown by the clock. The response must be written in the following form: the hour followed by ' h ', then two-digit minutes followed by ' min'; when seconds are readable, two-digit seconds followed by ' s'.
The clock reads 12 h 42 min 20 s
